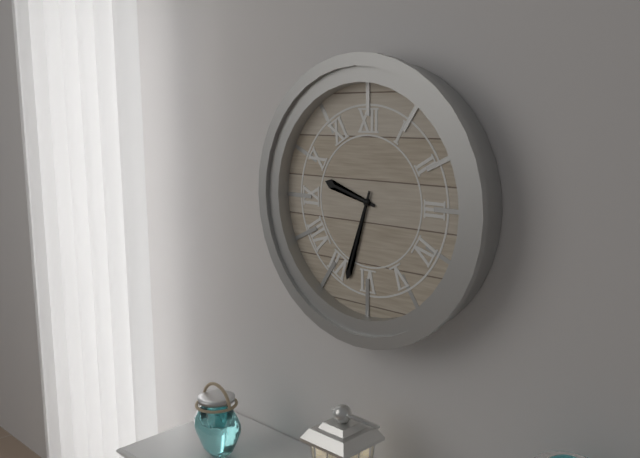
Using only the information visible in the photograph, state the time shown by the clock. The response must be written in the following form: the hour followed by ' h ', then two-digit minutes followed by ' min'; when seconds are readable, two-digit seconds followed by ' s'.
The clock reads 9 h 33 min
